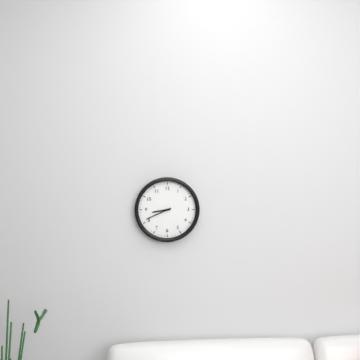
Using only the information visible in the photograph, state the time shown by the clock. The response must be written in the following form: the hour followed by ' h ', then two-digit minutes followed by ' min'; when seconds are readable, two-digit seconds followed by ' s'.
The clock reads 8 h 41 min
